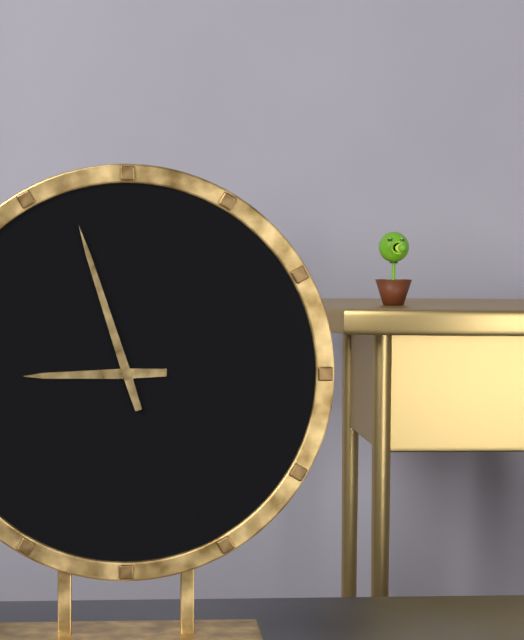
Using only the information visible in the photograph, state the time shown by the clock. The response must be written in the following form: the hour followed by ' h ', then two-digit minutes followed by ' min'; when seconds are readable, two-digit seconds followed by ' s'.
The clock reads 8 h 57 min
